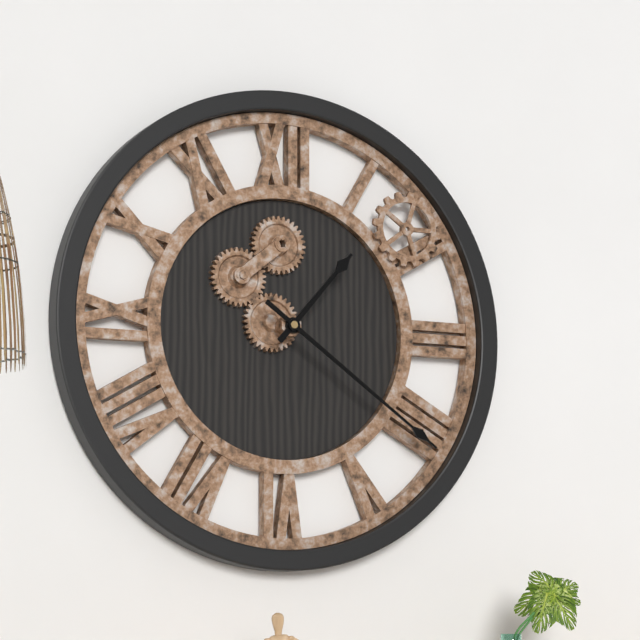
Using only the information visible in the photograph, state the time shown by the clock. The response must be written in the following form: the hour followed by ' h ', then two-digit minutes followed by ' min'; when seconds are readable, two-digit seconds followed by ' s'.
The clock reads 1 h 21 min
